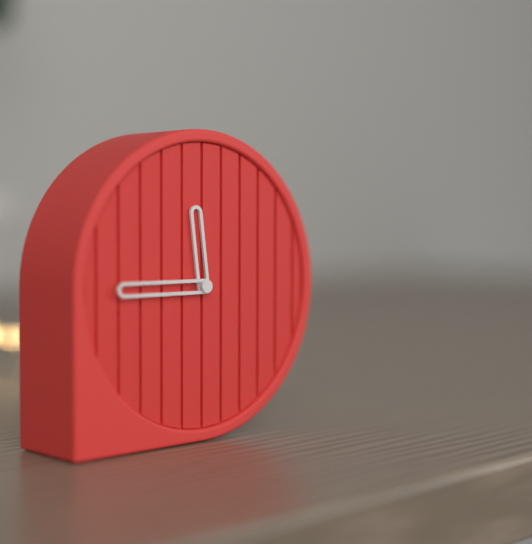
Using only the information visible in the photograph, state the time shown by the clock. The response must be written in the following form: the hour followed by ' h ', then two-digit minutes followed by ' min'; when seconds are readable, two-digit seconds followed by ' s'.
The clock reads 11 h 45 min
